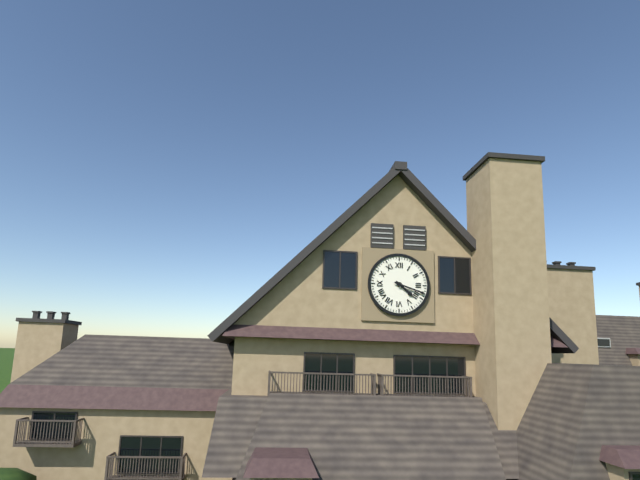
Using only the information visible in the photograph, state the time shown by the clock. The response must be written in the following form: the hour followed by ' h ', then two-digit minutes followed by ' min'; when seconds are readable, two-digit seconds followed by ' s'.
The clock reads 4 h 18 min
